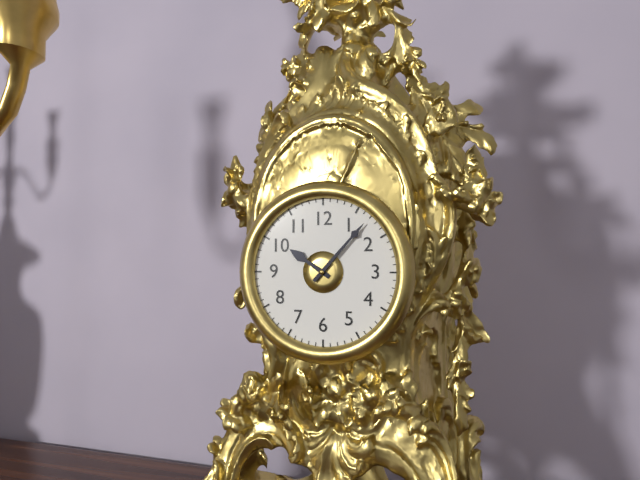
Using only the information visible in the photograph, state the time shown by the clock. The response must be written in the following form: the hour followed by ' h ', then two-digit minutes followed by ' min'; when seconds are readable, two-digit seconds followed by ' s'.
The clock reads 10 h 07 min
